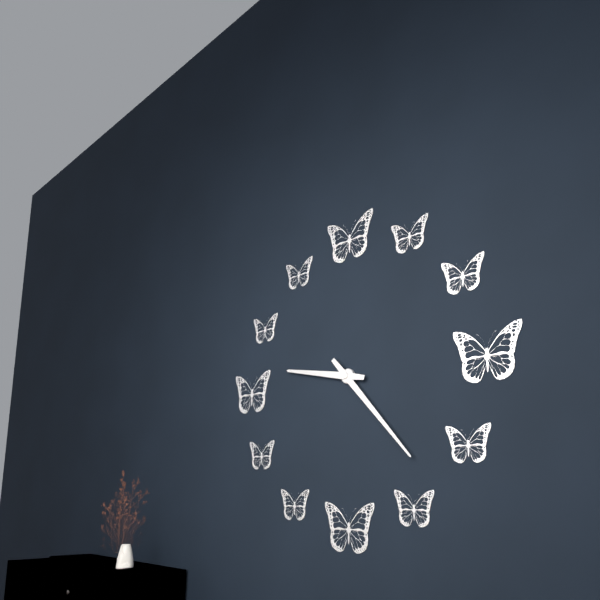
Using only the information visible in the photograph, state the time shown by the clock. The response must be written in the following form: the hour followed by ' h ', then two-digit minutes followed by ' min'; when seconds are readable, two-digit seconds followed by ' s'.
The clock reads 9 h 23 min
